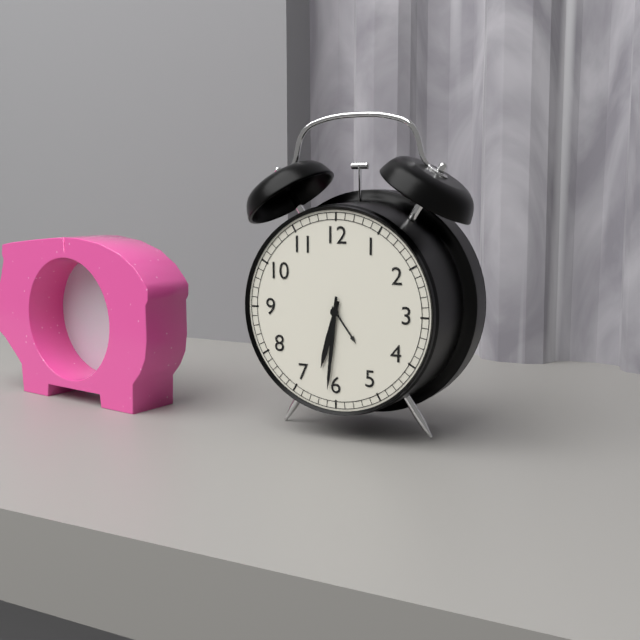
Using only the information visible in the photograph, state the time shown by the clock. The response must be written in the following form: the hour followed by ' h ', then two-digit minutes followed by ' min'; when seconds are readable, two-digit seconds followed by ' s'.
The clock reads 6 h 31 min
